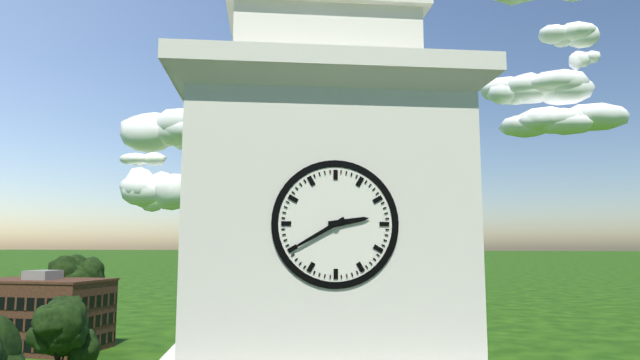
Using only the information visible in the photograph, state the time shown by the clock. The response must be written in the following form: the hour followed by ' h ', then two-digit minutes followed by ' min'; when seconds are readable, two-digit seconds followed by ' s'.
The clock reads 2 h 40 min
